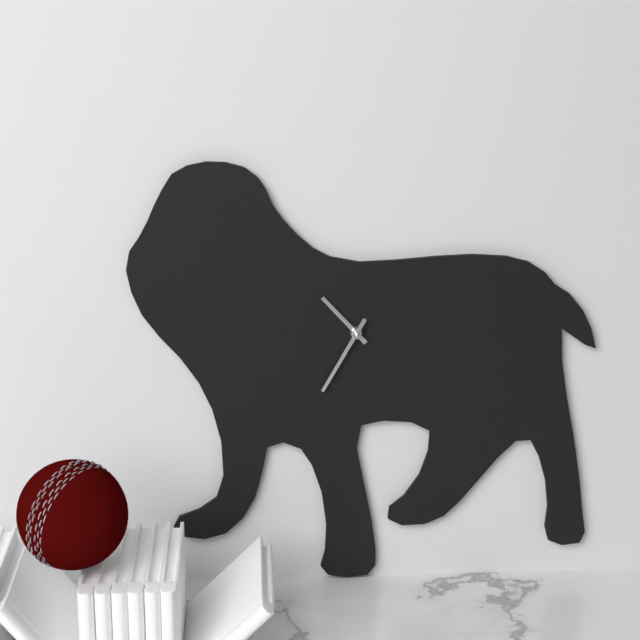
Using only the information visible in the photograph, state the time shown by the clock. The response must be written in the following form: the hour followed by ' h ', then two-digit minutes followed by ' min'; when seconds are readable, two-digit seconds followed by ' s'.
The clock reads 10 h 35 min
